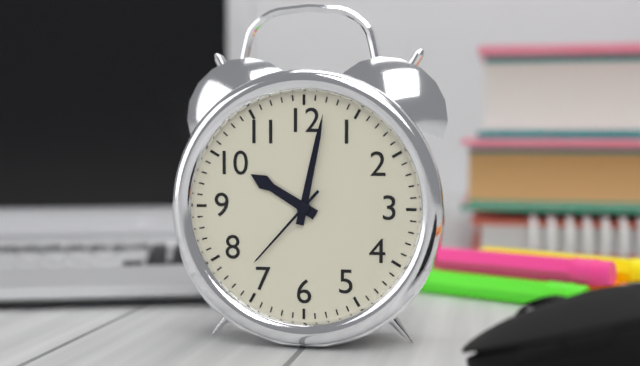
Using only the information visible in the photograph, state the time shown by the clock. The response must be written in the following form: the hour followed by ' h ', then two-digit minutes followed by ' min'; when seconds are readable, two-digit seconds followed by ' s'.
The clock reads 10 h 02 min 37 s
